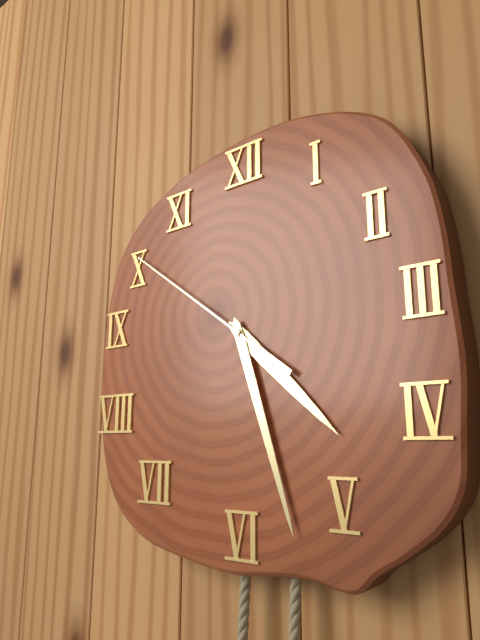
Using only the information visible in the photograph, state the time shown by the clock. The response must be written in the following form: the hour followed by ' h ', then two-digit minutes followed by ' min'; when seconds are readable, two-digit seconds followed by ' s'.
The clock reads 4 h 27 min 51 s
